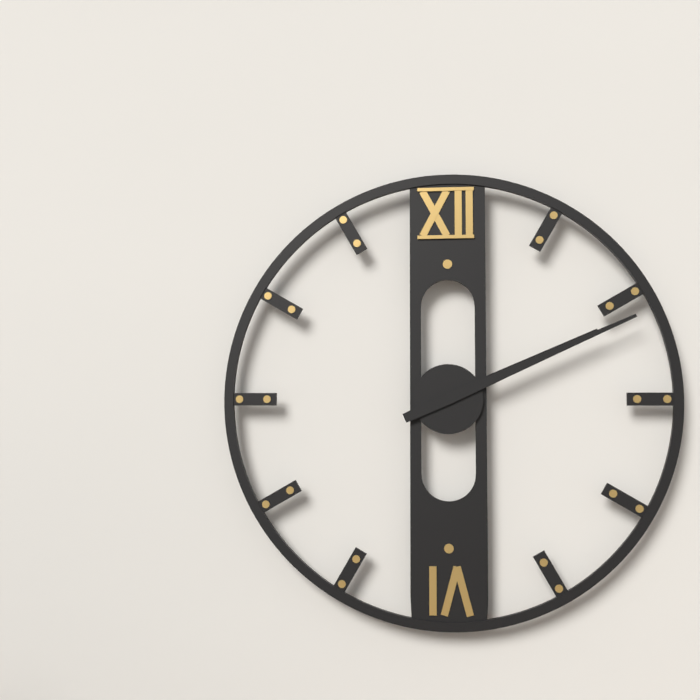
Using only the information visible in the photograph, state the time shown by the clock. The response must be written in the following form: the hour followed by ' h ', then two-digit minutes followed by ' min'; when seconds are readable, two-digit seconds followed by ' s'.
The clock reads 2 h 11 min
